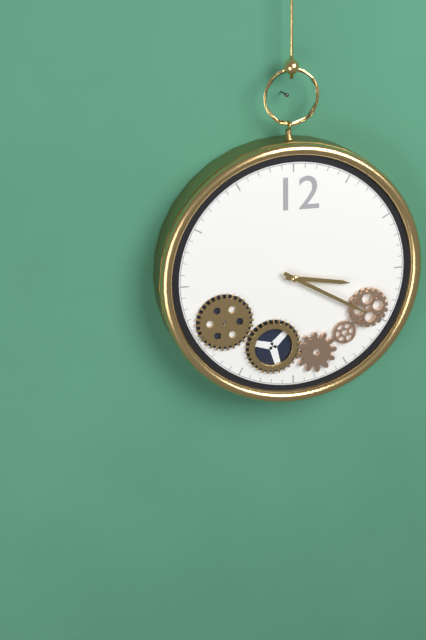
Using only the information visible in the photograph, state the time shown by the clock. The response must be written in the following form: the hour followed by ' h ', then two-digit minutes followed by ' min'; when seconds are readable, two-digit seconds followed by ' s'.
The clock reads 3 h 20 min
